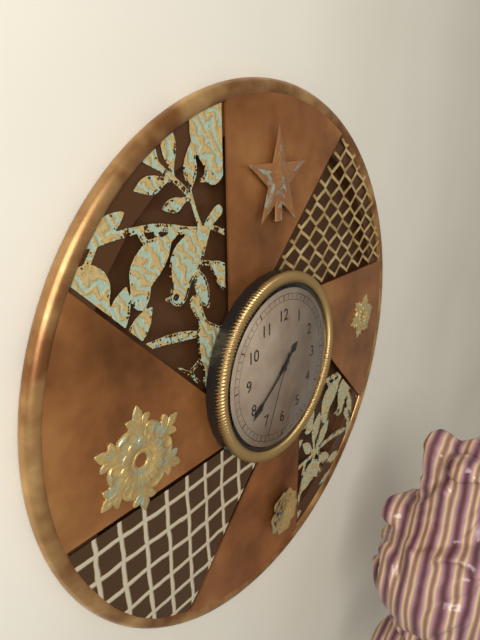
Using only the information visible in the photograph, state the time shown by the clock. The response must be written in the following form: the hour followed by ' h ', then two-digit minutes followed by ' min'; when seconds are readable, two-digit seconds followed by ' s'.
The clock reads 1 h 39 min 34 s
